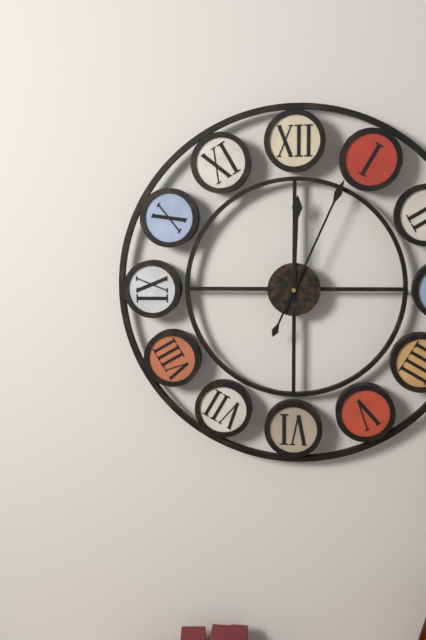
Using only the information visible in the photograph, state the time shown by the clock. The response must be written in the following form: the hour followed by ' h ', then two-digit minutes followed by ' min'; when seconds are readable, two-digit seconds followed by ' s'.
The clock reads 12 h 04 min
